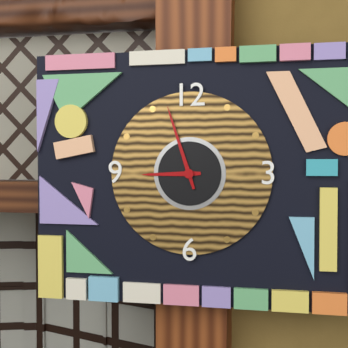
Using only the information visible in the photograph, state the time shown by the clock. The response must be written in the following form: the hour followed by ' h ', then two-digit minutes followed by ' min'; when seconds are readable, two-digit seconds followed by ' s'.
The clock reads 8 h 57 min
